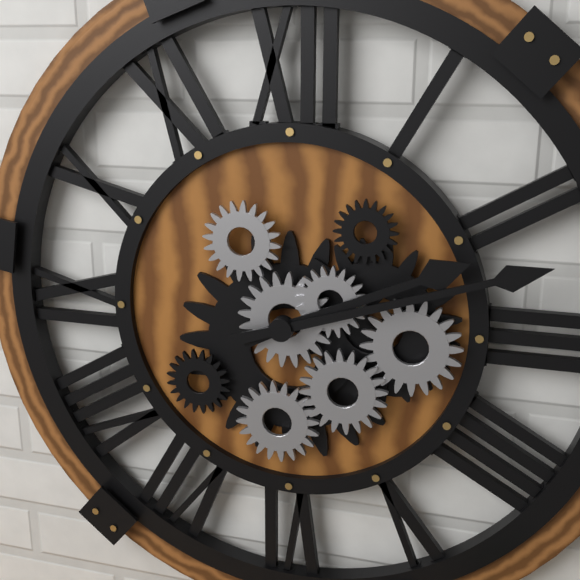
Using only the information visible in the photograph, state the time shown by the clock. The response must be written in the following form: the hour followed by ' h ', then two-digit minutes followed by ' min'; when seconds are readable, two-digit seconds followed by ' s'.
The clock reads 2 h 12 min
